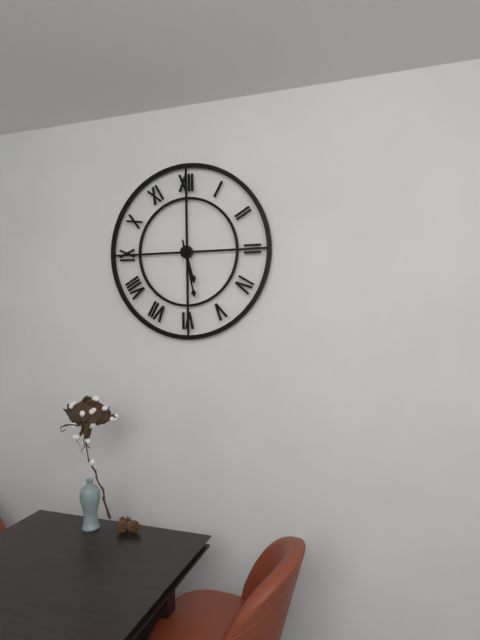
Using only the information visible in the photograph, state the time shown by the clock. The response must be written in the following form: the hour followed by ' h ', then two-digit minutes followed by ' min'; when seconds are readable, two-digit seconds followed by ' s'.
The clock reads 5 h 28 min
